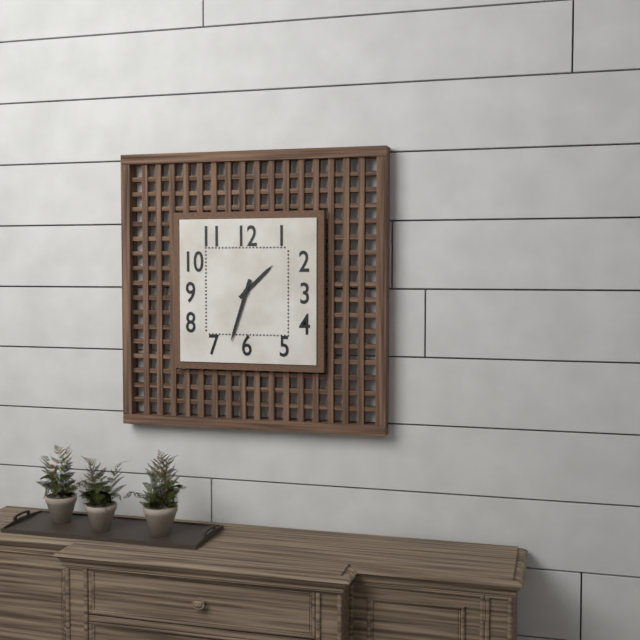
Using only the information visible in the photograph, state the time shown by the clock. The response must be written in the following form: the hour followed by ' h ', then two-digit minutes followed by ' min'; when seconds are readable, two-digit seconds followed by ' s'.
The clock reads 1 h 33 min
